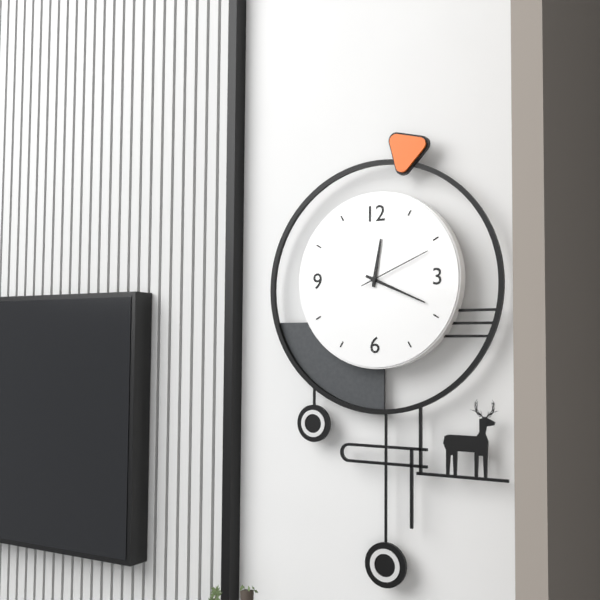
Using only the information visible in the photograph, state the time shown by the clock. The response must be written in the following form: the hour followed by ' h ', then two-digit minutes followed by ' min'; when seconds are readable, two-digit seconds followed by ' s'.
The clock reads 12 h 19 min 11 s
